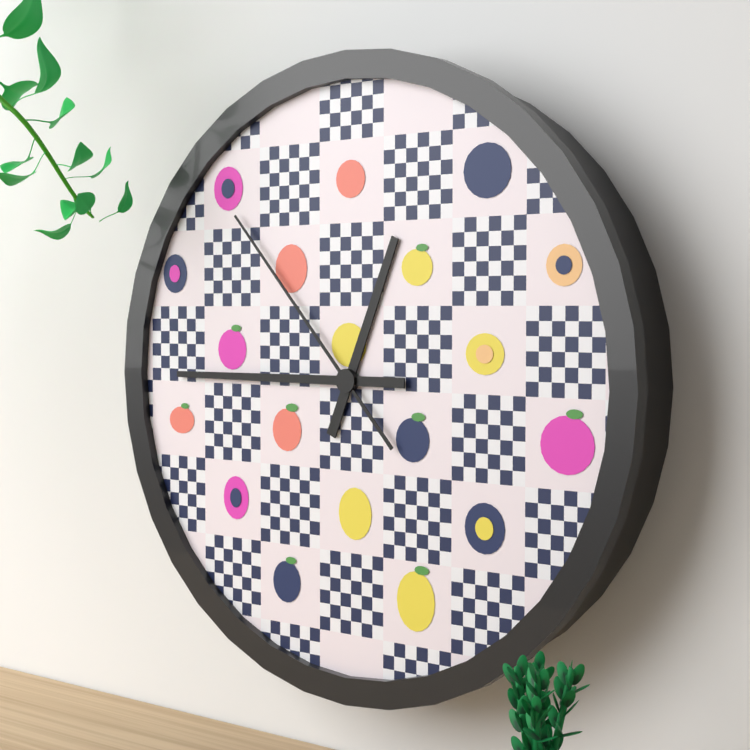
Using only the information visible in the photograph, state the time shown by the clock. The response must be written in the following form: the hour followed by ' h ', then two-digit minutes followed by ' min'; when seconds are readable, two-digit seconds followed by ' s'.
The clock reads 12 h 45 min 53 s
